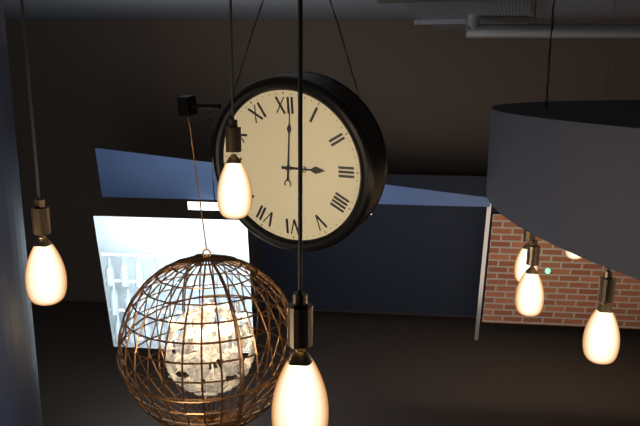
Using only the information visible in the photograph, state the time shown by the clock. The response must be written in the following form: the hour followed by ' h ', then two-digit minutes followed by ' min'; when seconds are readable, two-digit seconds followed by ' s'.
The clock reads 3 h 01 min
